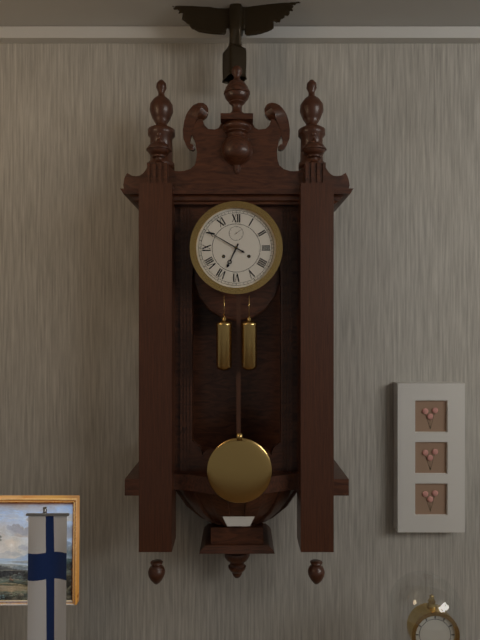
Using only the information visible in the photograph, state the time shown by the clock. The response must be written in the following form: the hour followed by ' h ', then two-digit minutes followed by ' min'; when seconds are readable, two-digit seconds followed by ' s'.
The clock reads 6 h 50 min
